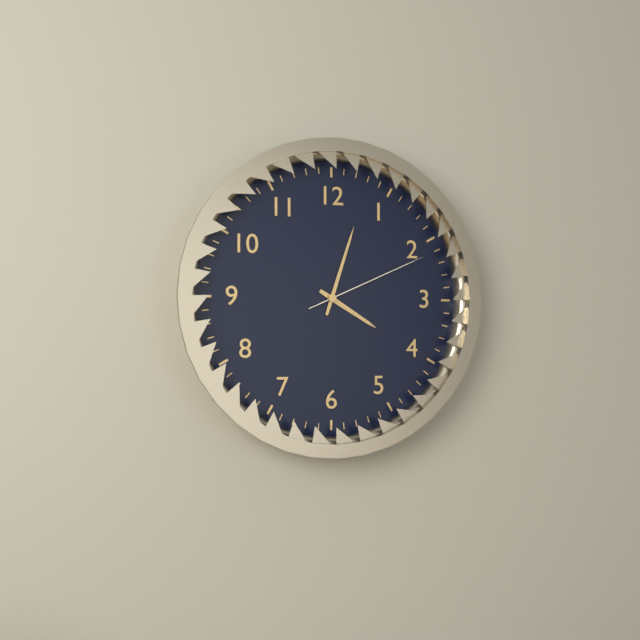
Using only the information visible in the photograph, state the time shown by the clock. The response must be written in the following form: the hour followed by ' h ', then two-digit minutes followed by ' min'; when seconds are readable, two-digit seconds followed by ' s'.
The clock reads 4 h 03 min 11 s
